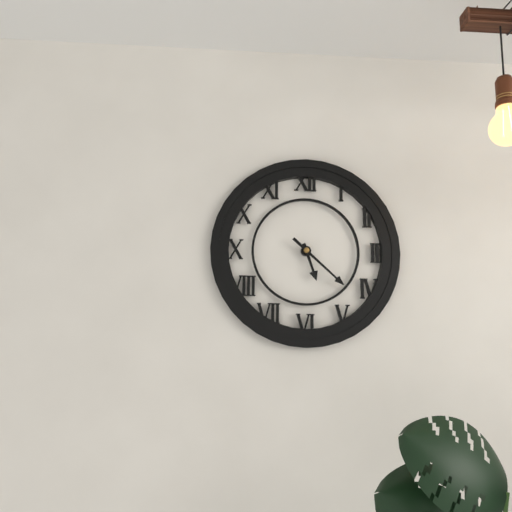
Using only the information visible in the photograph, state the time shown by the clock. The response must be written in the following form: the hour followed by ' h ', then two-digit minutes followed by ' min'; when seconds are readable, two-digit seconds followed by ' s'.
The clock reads 5 h 22 min
